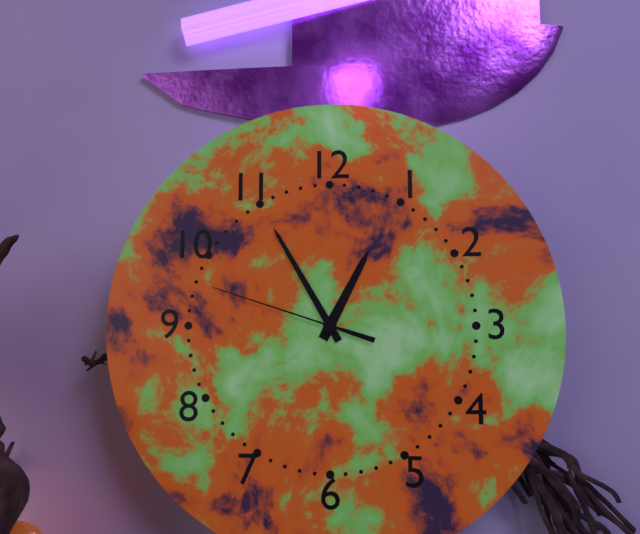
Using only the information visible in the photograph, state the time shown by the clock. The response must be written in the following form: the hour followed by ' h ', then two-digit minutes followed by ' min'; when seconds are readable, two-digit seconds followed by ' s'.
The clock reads 12 h 55 min 48 s
